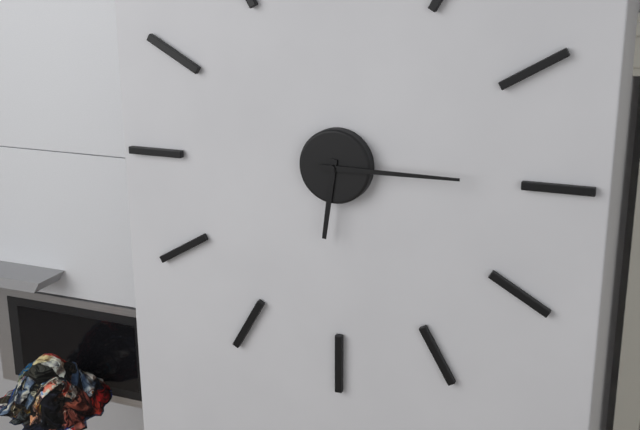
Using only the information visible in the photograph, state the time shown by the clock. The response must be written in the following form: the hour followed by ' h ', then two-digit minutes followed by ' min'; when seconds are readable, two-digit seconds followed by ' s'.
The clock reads 6 h 15 min
